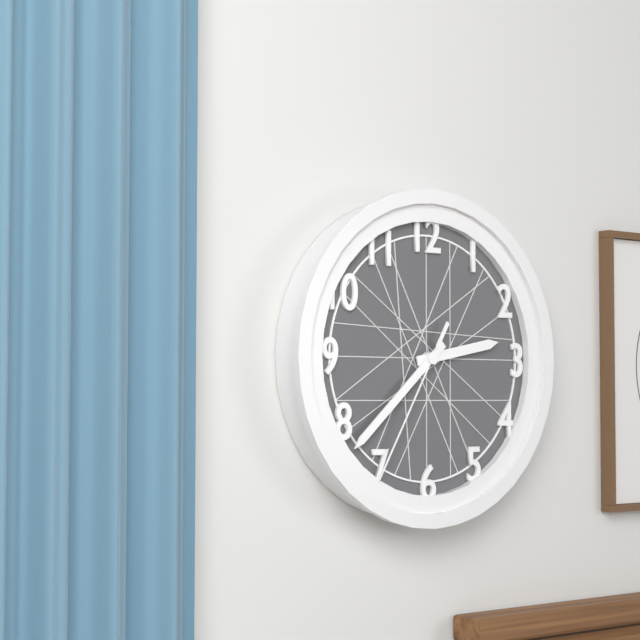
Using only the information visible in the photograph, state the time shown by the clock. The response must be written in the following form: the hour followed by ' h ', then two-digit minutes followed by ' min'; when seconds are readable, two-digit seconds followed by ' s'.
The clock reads 2 h 38 min 35 s
